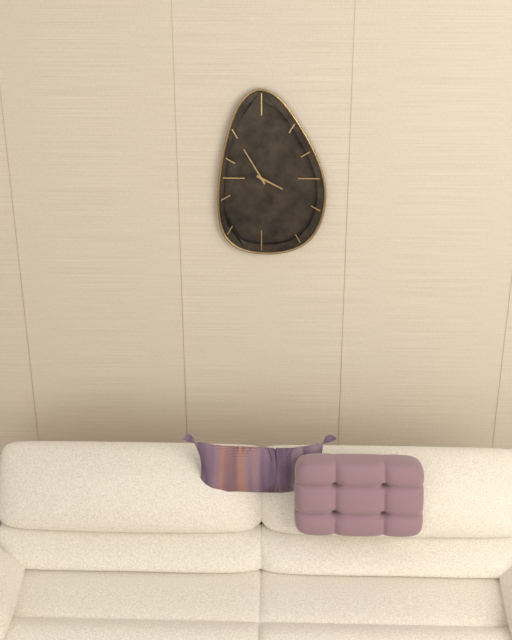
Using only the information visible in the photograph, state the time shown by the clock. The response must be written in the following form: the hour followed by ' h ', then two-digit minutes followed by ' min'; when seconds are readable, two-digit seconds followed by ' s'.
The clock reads 3 h 55 min
